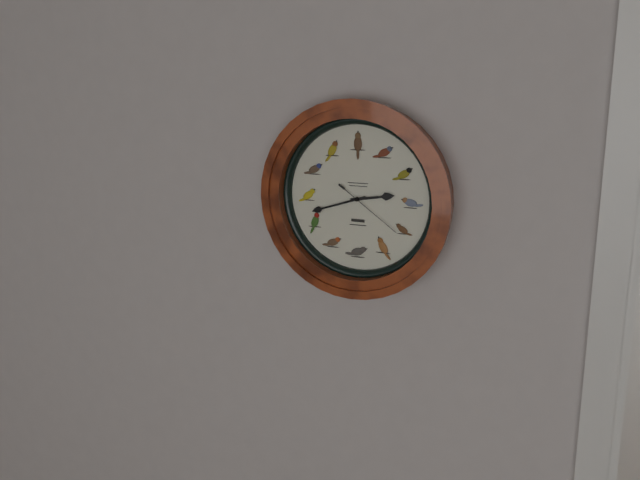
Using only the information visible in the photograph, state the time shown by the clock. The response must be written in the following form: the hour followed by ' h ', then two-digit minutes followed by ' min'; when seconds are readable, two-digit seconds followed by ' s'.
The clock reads 2 h 42 min 21 s
